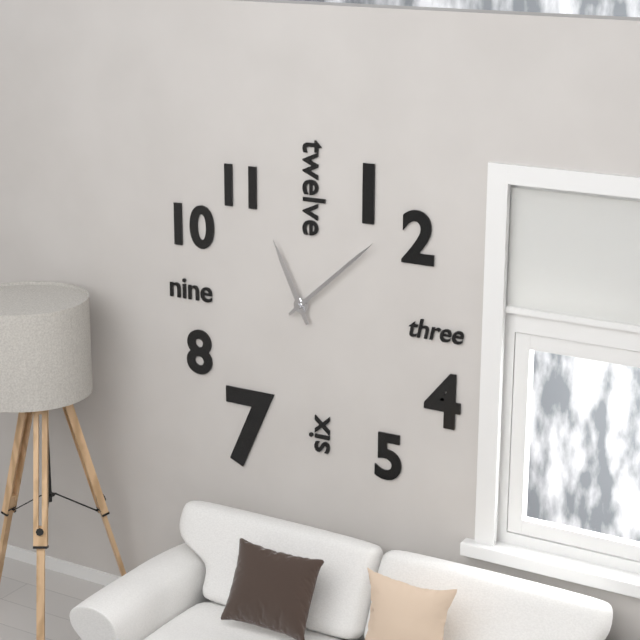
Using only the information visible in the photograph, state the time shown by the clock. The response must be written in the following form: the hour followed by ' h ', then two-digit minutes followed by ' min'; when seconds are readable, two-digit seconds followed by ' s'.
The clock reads 11 h 08 min
